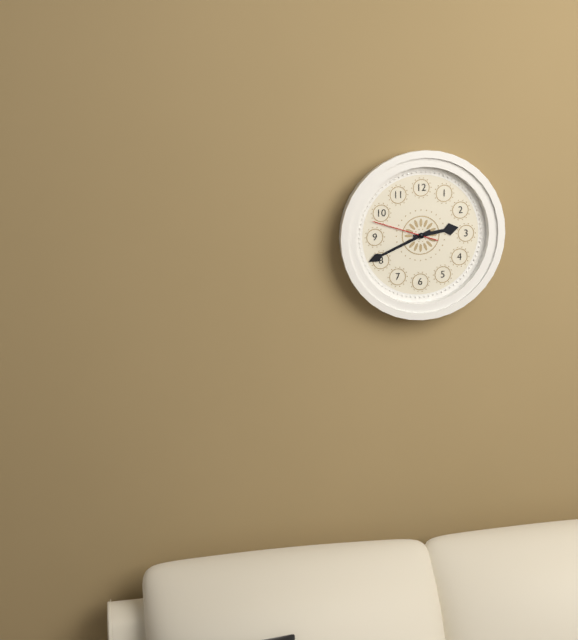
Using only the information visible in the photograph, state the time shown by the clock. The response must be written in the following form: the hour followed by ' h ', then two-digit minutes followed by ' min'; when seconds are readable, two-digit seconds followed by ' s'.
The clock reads 2 h 41 min 48 s
